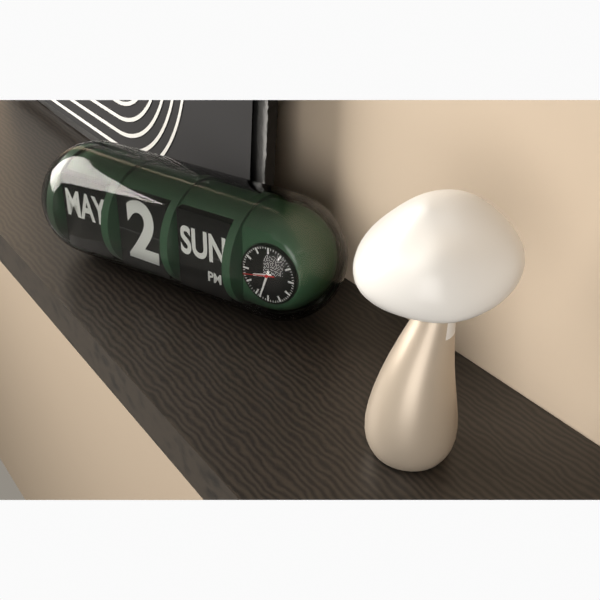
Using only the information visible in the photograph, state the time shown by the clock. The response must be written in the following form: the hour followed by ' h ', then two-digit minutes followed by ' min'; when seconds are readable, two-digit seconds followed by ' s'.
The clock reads 8 h 33 min
